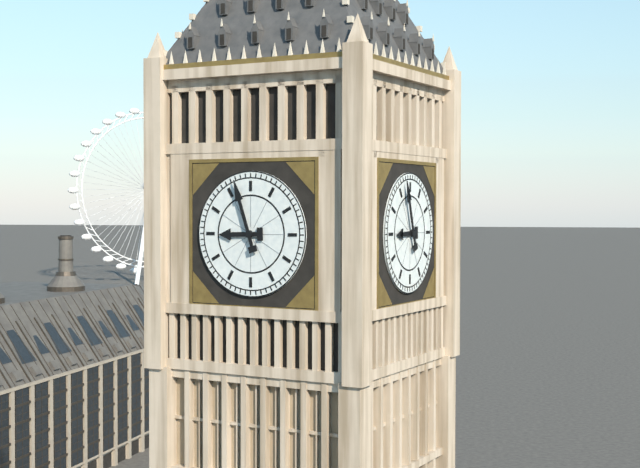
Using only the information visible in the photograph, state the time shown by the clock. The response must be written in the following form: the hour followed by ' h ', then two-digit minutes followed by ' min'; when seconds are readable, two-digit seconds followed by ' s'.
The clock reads 8 h 57 min
